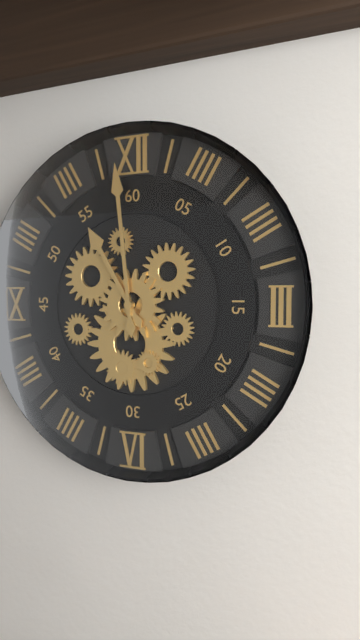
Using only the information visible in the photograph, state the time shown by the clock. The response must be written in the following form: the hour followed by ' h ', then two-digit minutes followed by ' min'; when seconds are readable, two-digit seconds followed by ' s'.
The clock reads 10 h 59 min
